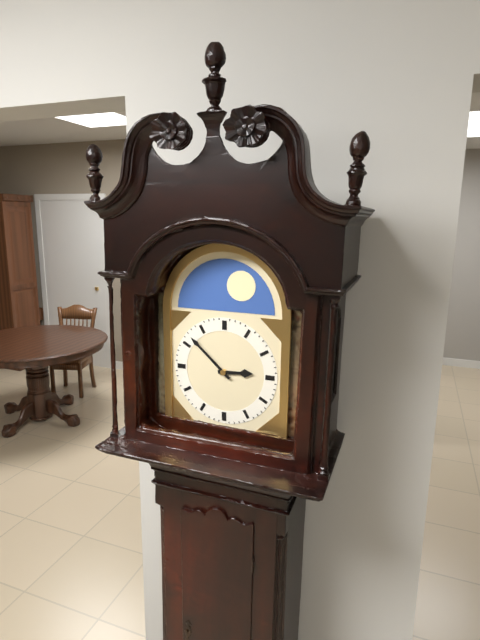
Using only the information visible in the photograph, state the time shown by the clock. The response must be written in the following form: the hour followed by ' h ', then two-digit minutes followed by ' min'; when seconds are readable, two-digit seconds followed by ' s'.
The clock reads 2 h 52 min
